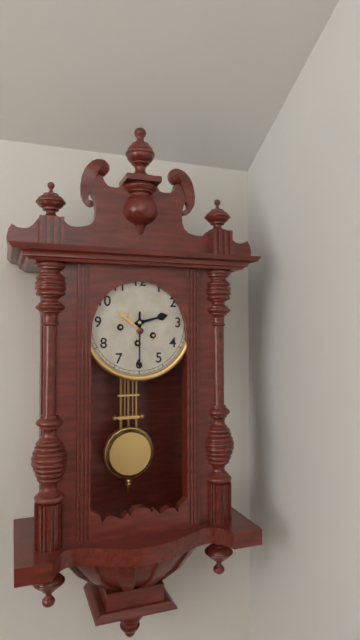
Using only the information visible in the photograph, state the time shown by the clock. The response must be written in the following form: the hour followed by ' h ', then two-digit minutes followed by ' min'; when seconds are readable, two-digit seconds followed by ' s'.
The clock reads 2 h 30 min
